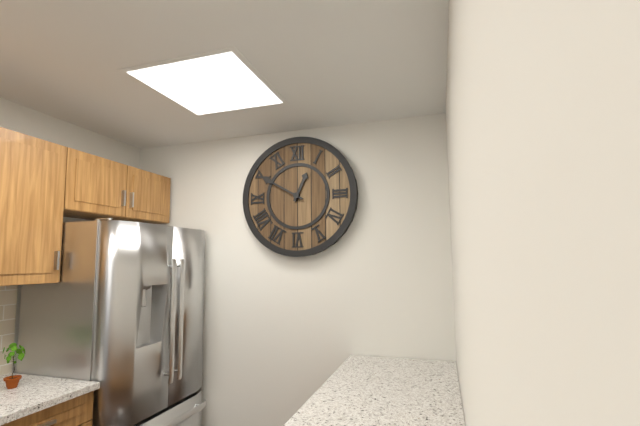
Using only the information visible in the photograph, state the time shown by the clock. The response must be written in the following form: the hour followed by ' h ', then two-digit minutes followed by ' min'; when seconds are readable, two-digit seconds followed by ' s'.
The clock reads 12 h 50 min
